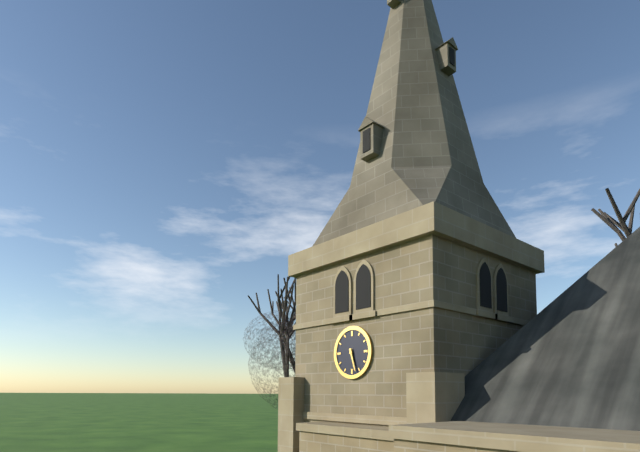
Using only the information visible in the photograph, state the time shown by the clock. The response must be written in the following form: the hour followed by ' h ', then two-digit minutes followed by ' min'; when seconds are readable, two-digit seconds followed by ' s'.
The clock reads 5 h 27 min
